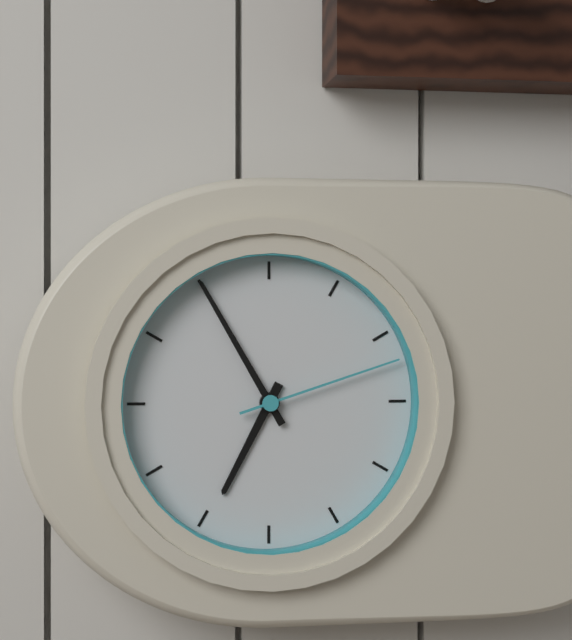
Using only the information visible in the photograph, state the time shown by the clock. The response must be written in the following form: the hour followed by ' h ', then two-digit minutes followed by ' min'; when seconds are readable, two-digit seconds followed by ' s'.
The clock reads 6 h 55 min 12 s
